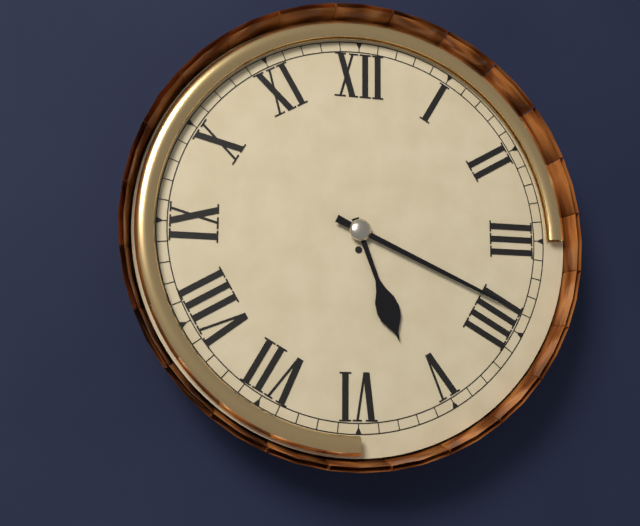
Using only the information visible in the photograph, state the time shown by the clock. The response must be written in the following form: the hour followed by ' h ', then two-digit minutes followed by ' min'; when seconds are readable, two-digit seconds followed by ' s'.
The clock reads 5 h 19 min
